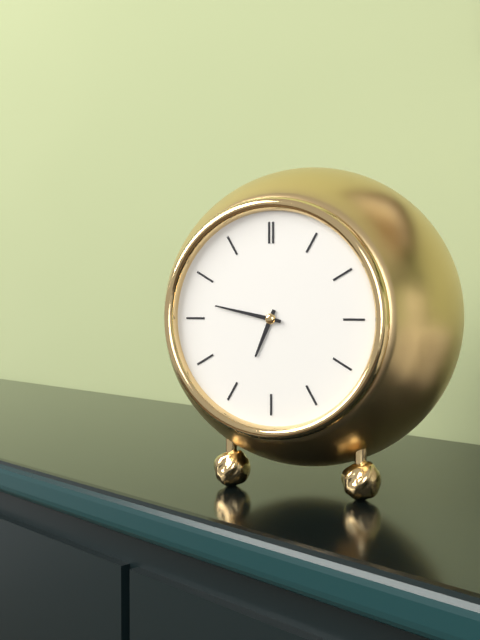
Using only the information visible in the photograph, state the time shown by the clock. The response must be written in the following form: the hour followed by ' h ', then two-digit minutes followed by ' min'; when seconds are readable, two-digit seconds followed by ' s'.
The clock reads 6 h 47 min
